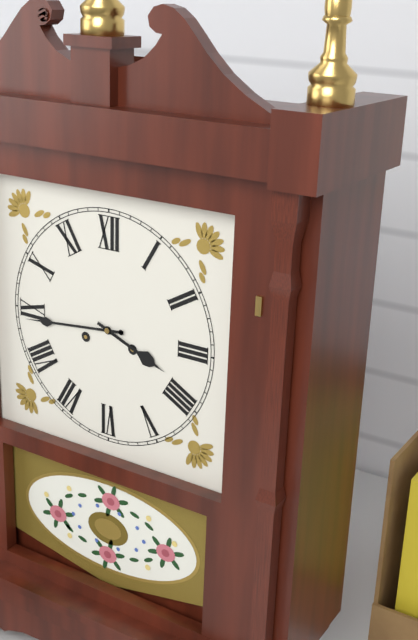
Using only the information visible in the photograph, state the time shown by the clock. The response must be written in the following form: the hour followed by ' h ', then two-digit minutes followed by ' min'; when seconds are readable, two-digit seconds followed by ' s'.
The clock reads 3 h 44 min
